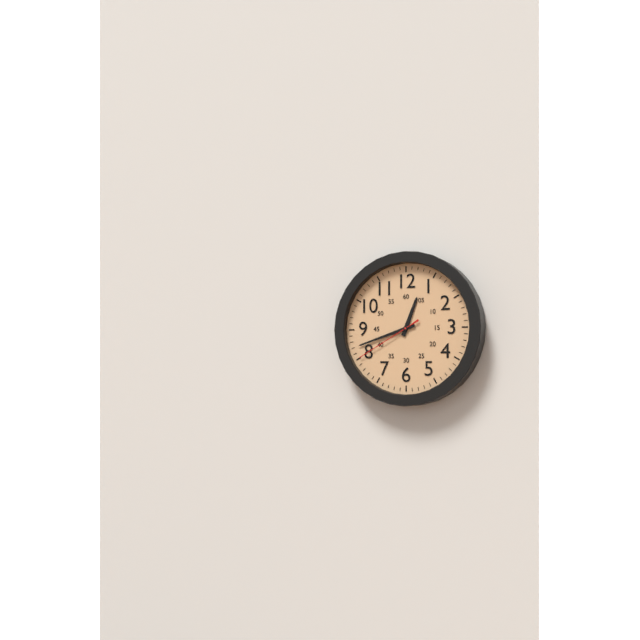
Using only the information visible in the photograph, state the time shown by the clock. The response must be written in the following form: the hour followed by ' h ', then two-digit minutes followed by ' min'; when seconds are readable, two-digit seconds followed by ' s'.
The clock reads 12 h 42 min 40 s
